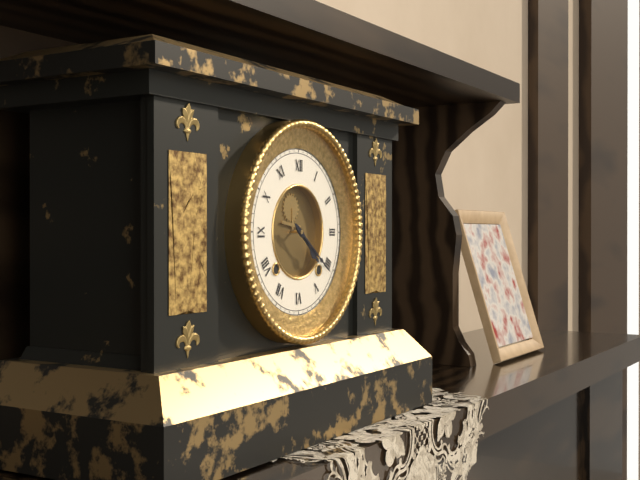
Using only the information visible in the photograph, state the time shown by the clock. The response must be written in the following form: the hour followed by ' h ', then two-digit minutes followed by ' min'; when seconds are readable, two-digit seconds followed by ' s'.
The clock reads 4 h 21 min
